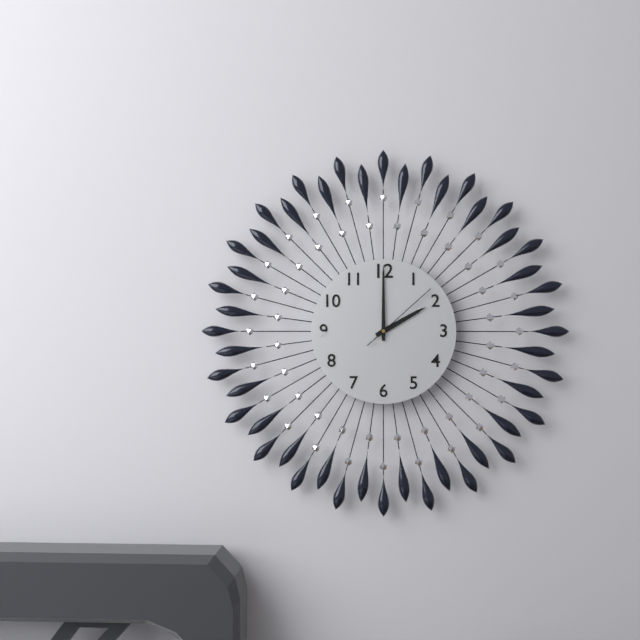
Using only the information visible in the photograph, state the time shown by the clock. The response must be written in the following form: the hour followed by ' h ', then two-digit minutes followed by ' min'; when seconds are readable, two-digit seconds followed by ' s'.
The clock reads 2 h 00 min 08 s
